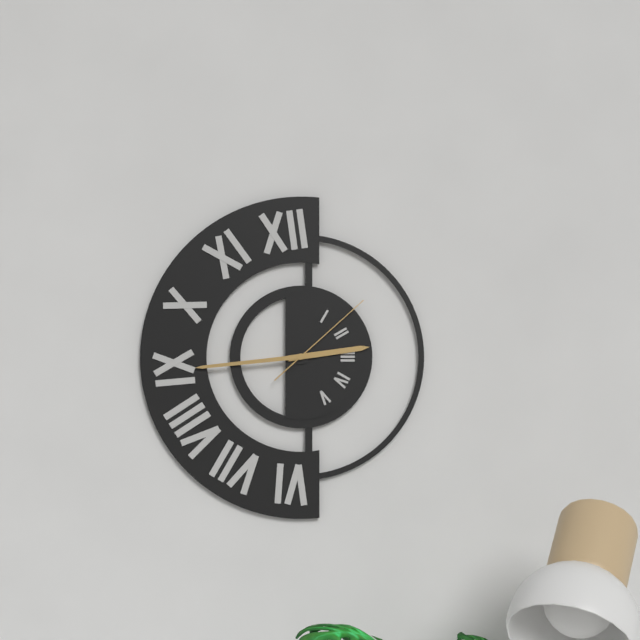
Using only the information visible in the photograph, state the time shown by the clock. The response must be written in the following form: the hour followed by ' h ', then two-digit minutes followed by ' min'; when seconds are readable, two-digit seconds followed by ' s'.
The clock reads 2 h 44 min 08 s
